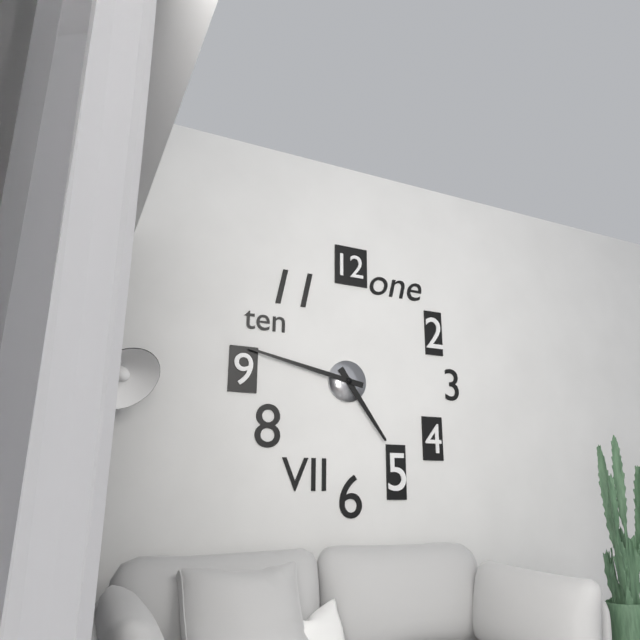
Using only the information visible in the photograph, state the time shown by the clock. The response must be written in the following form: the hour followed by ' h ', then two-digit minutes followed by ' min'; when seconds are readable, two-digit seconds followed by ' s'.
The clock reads 4 h 47 min
